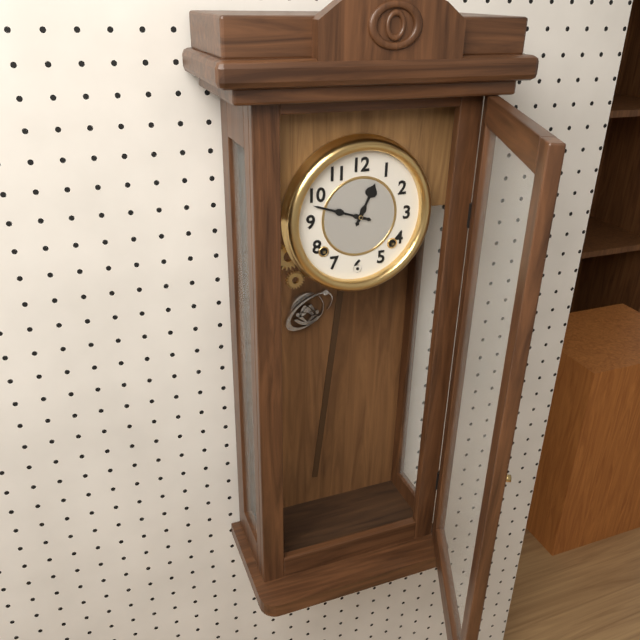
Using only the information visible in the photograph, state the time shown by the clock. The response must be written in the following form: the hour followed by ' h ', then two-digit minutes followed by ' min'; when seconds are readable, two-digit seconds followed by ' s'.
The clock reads 12 h 48 min
